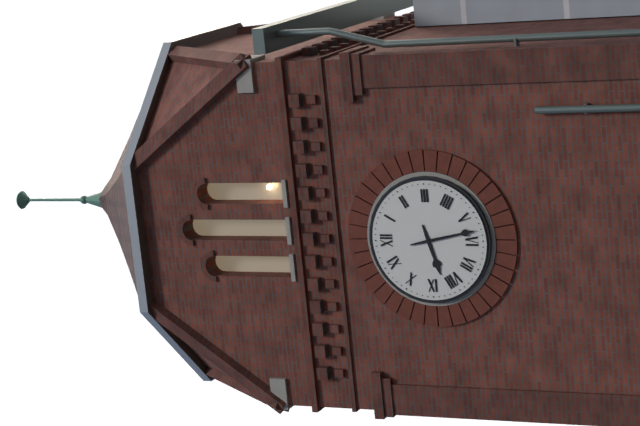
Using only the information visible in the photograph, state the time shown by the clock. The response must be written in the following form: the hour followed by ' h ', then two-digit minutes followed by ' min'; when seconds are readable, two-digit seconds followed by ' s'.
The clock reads 8 h 28 min
